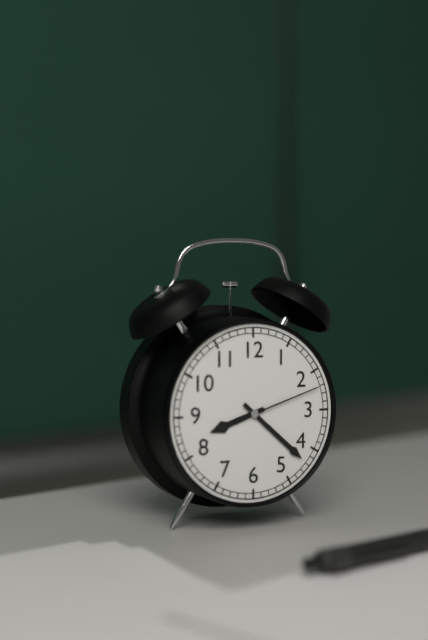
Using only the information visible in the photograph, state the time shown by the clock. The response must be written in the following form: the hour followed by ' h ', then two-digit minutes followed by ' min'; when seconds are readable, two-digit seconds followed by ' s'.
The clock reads 8 h 22 min 12 s
